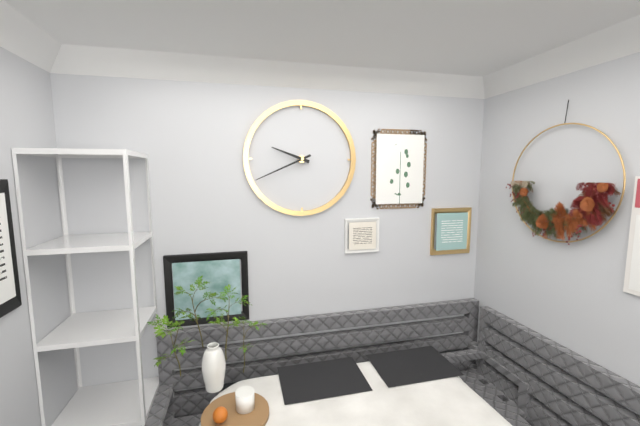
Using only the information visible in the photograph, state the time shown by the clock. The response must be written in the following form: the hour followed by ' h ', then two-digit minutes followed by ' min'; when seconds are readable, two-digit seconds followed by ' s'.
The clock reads 9 h 41 min
